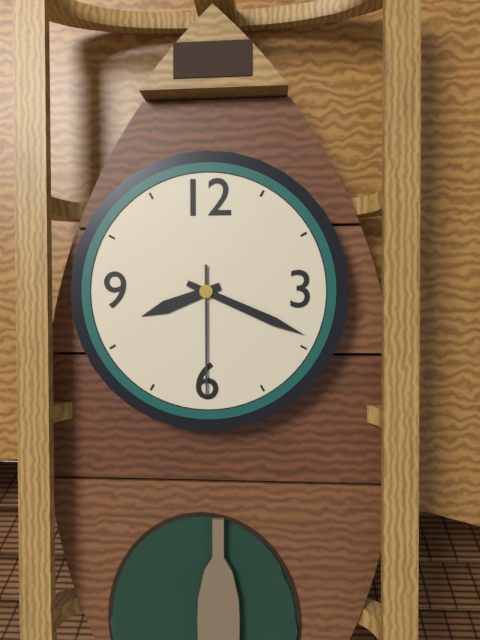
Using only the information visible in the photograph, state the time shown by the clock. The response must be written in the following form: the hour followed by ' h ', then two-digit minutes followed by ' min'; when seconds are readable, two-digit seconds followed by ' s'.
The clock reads 8 h 19 min 30 s
